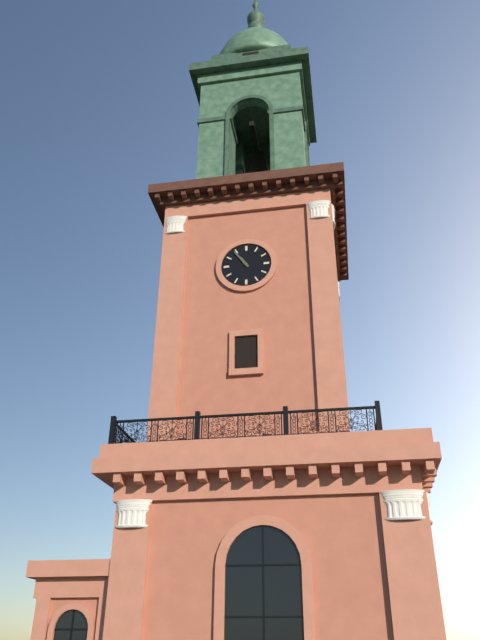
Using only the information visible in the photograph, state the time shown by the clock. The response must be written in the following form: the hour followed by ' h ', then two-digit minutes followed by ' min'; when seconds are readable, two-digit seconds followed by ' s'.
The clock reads 10 h 54 min
